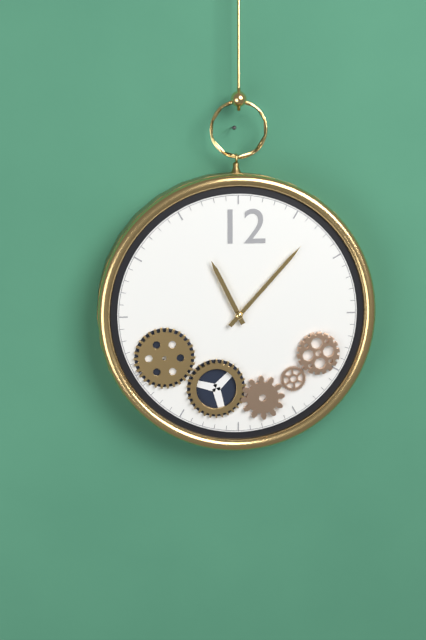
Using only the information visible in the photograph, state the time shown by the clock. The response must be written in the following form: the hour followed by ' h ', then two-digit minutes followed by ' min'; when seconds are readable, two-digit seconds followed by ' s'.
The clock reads 11 h 07 min
